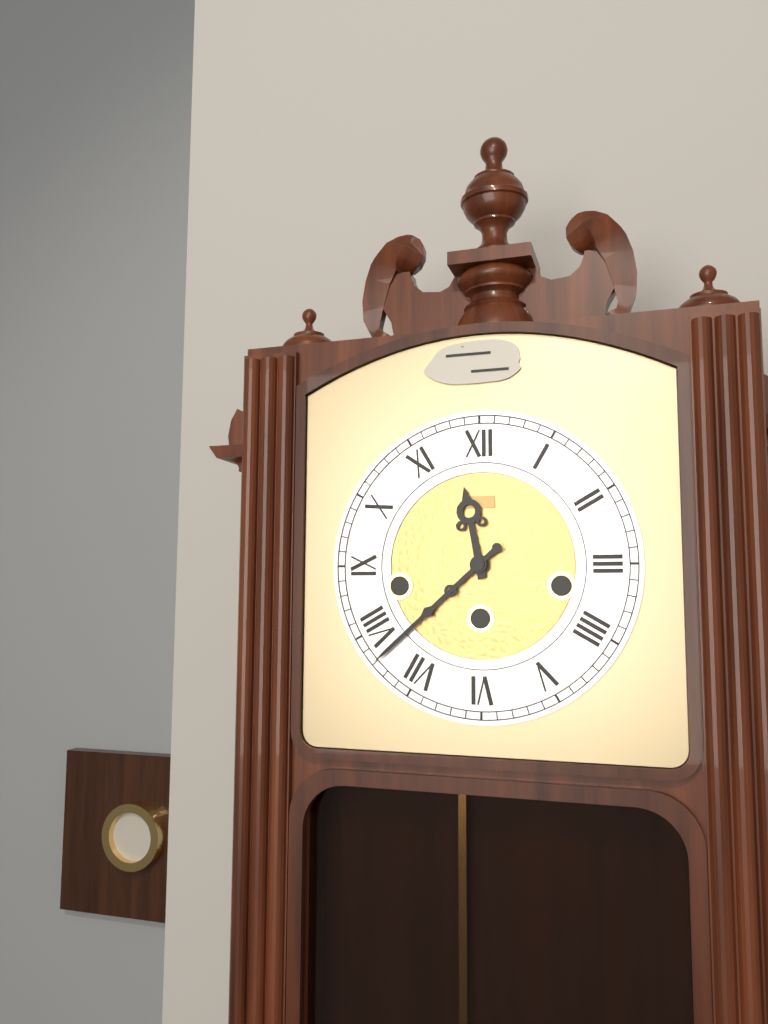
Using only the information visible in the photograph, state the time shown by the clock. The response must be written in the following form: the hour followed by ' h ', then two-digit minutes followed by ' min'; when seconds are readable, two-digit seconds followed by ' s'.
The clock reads 11 h 38 min
